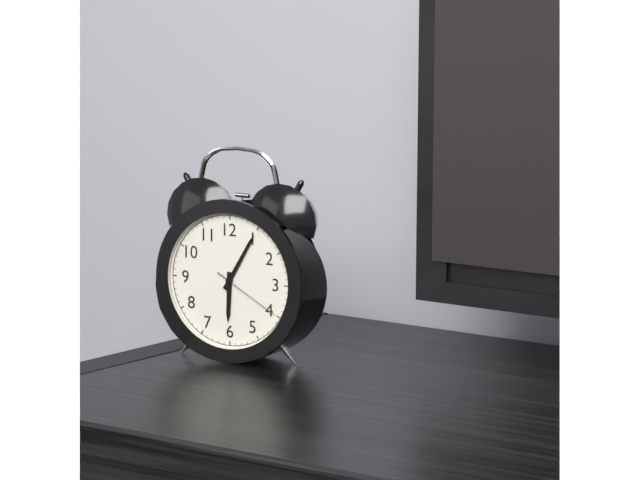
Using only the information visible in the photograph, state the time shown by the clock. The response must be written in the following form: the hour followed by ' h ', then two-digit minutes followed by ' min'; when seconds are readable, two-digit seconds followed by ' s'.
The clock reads 6 h 05 min 20 s
